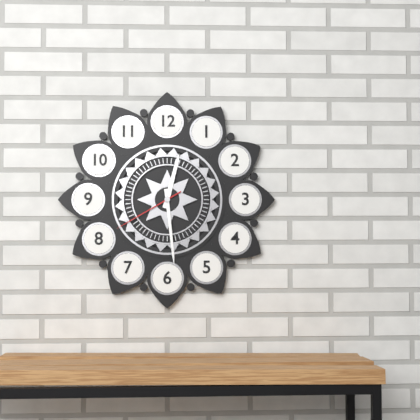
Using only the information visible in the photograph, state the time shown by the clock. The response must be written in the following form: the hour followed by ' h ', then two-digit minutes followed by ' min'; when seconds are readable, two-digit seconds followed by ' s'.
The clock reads 12 h 29 min 40 s
